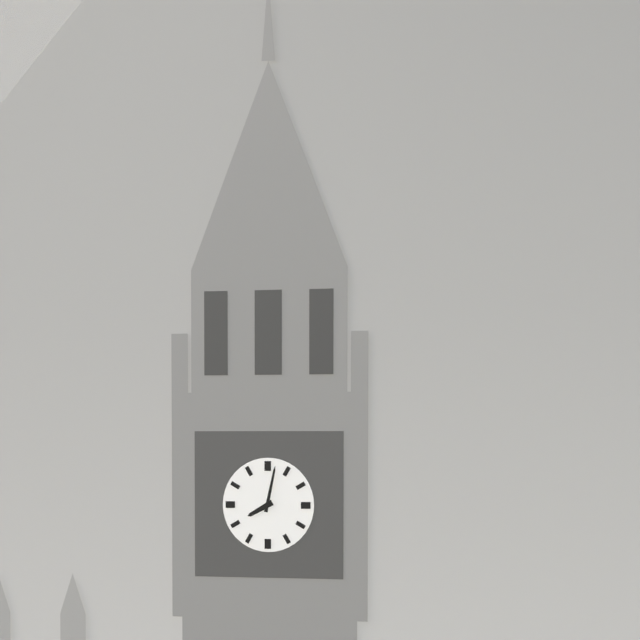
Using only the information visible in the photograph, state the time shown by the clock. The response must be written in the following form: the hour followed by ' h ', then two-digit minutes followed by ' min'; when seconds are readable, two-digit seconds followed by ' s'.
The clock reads 8 h 02 min
